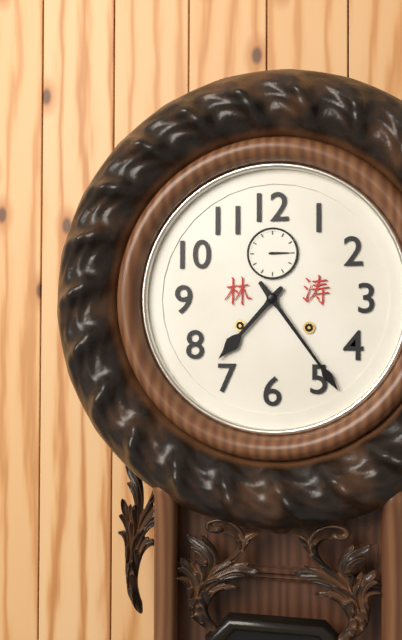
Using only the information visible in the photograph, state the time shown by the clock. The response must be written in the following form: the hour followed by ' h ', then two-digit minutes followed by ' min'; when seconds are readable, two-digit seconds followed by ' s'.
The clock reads 7 h 24 min
